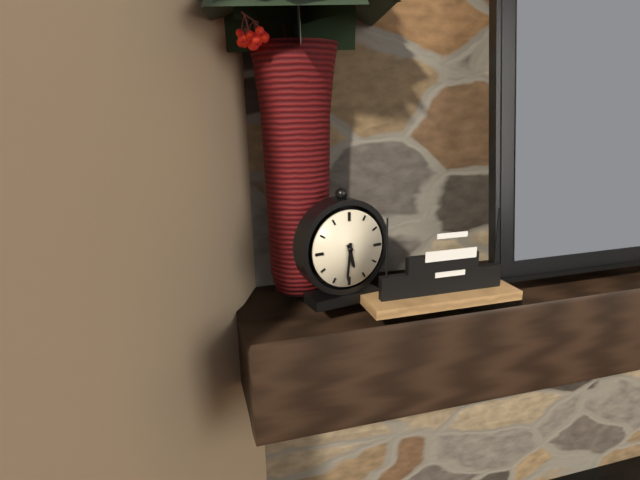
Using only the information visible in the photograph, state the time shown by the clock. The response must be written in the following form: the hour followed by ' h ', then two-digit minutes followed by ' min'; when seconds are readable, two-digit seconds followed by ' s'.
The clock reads 5 h 31 min
